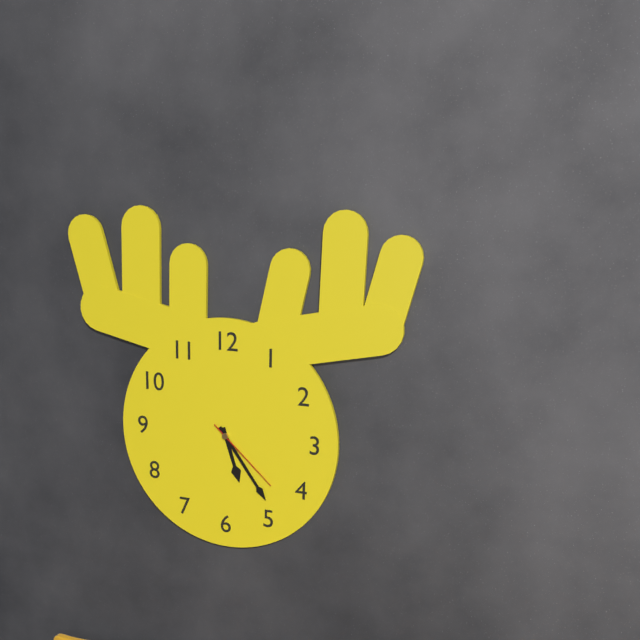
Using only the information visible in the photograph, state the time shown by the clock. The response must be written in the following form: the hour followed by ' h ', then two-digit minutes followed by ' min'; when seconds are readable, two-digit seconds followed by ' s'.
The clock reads 5 h 24 min 22 s
